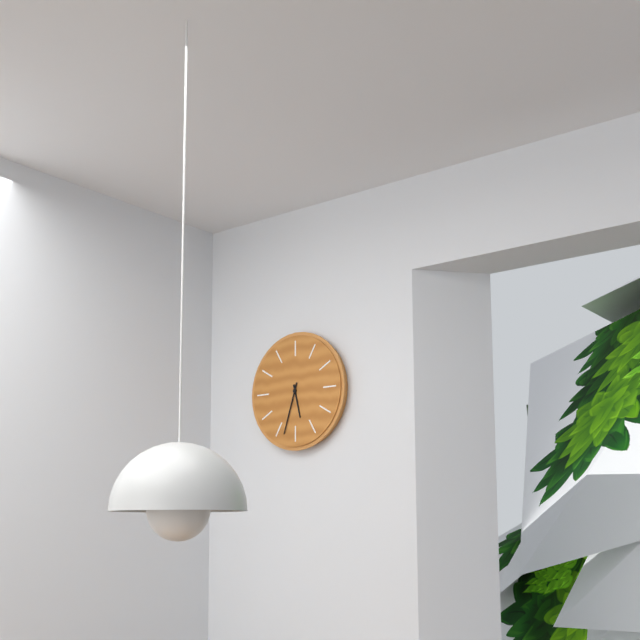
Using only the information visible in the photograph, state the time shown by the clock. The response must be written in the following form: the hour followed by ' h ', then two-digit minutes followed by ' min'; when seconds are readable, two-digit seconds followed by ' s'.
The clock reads 5 h 33 min
